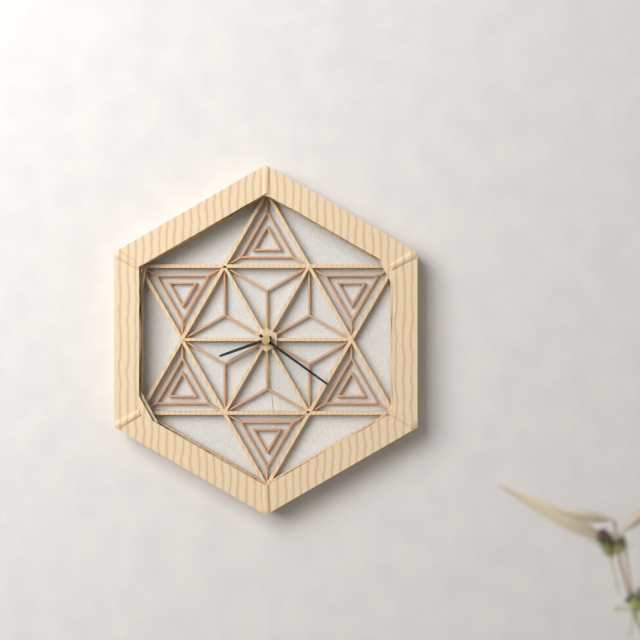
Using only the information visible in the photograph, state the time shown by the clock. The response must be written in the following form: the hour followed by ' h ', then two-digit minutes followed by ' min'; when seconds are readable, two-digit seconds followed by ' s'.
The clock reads 8 h 21 min 29 s
